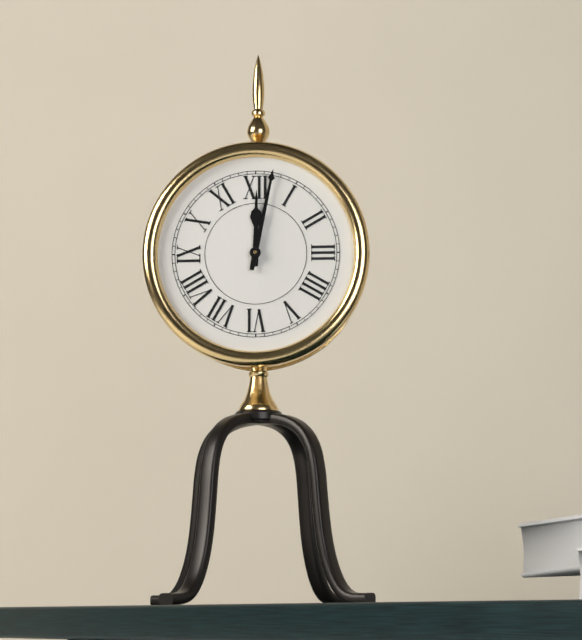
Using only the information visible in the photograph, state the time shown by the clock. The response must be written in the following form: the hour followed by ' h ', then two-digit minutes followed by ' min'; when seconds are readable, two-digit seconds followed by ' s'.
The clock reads 12 h 02 min
